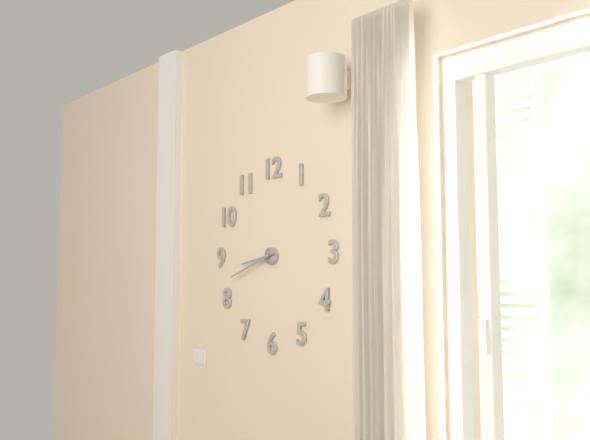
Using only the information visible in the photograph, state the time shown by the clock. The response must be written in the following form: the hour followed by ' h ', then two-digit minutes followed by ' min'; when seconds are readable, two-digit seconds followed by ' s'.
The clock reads 8 h 42 min
